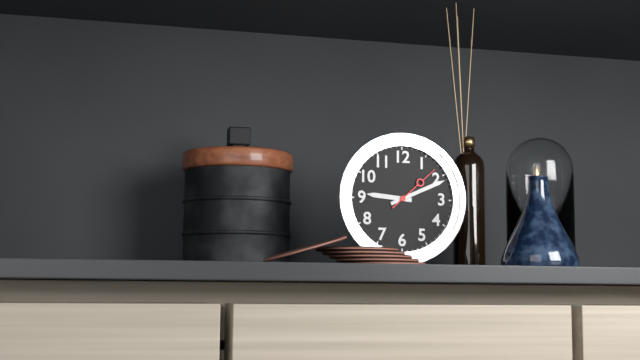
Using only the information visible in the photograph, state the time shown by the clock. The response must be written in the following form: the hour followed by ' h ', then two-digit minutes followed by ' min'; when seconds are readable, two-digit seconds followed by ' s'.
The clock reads 9 h 11 min 08 s
